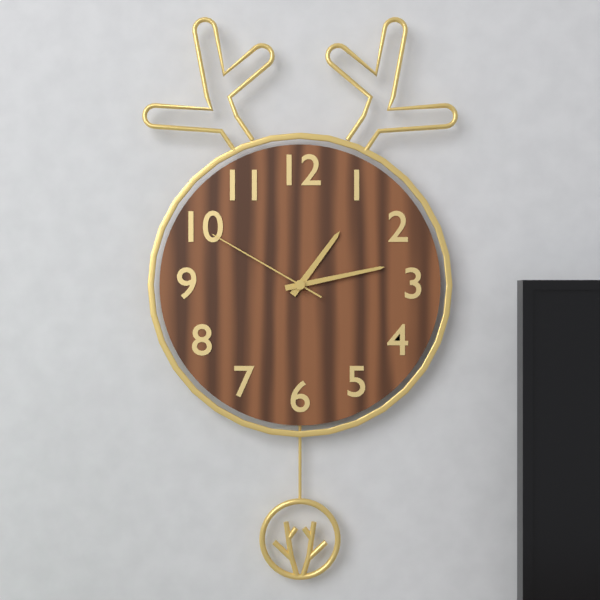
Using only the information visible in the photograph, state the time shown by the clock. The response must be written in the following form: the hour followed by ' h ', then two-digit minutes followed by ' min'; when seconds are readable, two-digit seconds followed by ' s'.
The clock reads 1 h 13 min 50 s
